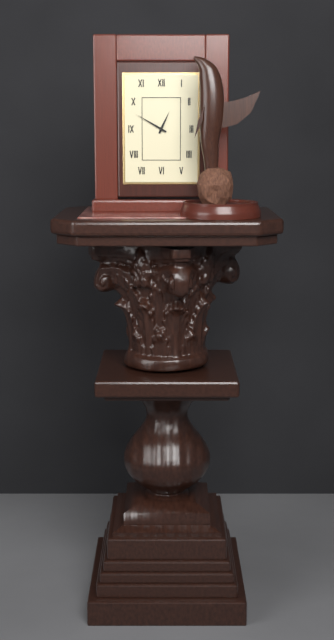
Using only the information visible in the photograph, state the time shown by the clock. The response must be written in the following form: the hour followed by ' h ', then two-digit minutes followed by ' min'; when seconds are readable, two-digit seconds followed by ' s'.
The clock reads 12 h 50 min
